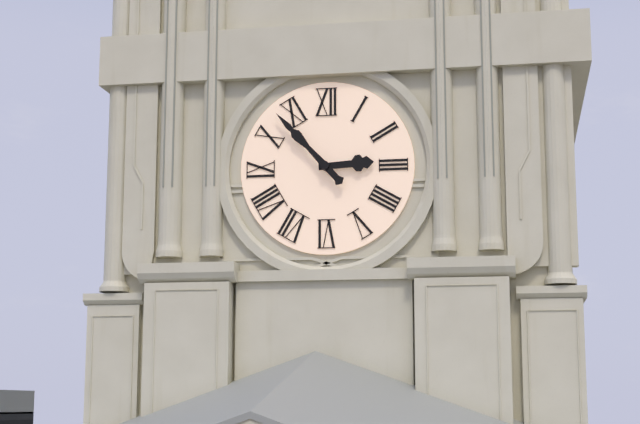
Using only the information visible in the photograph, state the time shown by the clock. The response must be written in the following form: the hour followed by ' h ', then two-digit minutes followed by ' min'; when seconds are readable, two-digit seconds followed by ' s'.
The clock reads 2 h 53 min
